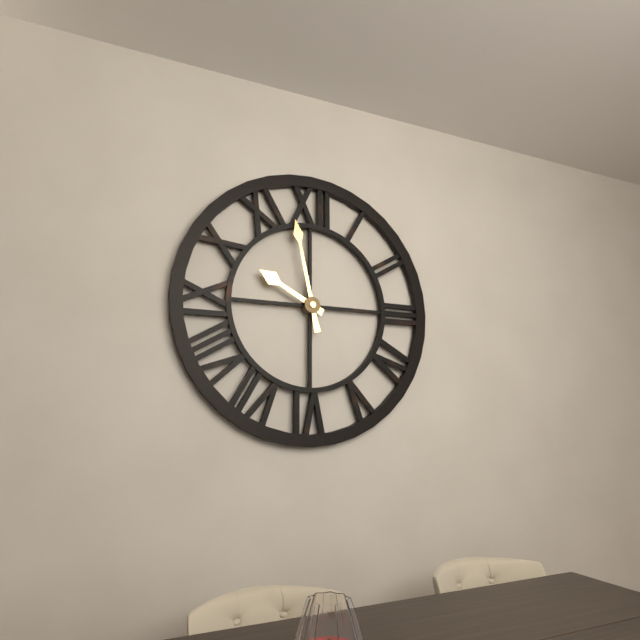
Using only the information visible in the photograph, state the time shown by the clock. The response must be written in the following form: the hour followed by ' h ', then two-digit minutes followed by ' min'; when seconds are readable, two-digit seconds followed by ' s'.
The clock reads 9 h 58 min
